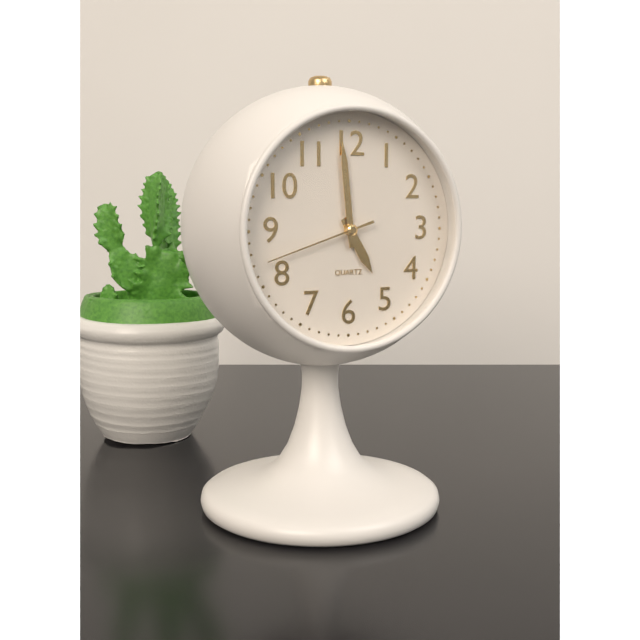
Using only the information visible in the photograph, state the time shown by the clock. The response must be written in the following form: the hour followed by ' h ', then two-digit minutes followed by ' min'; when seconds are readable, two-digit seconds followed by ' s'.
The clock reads 4 h 59 min 42 s
